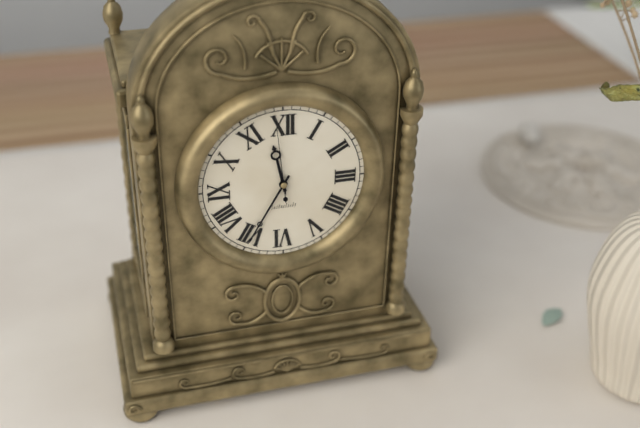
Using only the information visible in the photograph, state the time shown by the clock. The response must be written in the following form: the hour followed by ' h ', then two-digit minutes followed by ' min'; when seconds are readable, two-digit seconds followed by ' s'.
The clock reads 11 h 35 min 59 s
